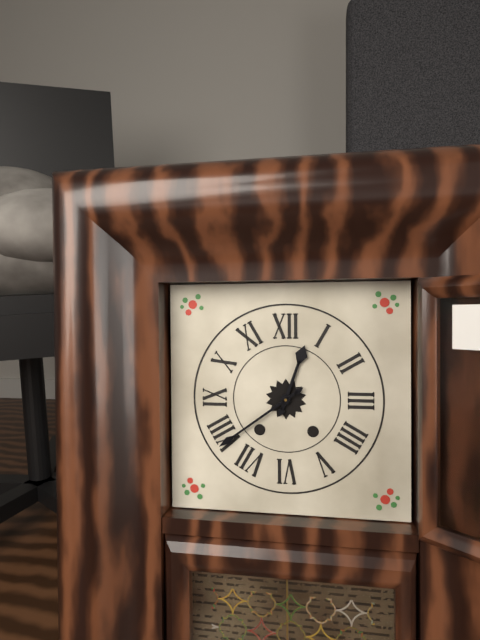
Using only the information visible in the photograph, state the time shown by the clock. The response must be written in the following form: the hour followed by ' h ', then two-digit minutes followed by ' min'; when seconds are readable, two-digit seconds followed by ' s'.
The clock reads 12 h 39 min
